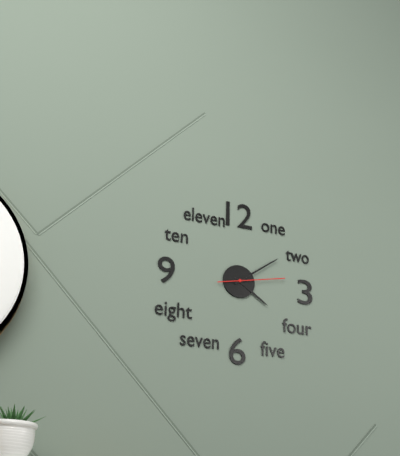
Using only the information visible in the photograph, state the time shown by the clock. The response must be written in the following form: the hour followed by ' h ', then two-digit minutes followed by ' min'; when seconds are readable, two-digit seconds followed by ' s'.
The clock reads 4 h 09 min 13 s
